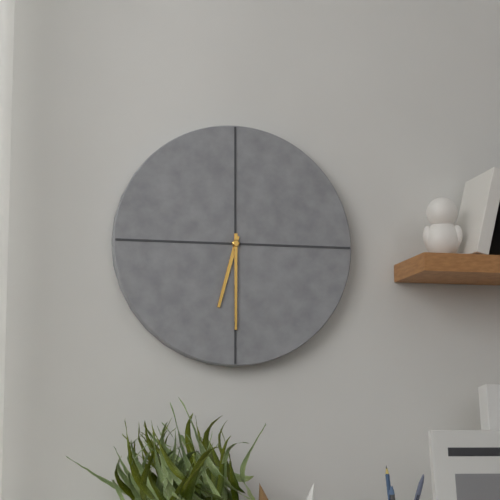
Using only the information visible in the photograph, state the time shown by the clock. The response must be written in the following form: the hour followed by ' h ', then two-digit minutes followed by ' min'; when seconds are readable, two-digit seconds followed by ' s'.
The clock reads 6 h 30 min
